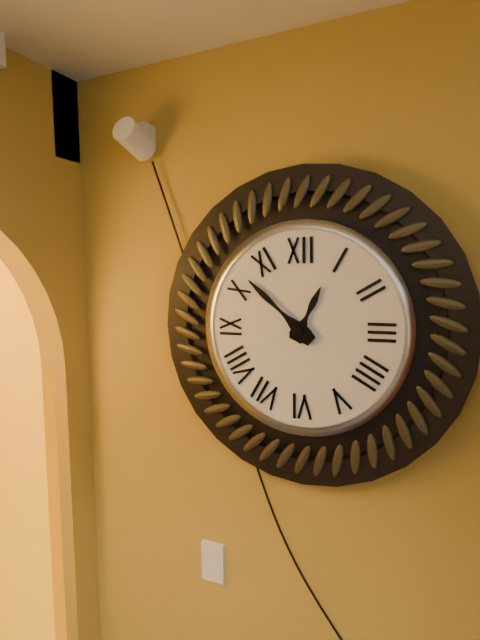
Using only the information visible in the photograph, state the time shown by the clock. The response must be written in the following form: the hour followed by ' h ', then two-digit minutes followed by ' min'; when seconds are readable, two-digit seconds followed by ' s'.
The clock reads 12 h 52 min
